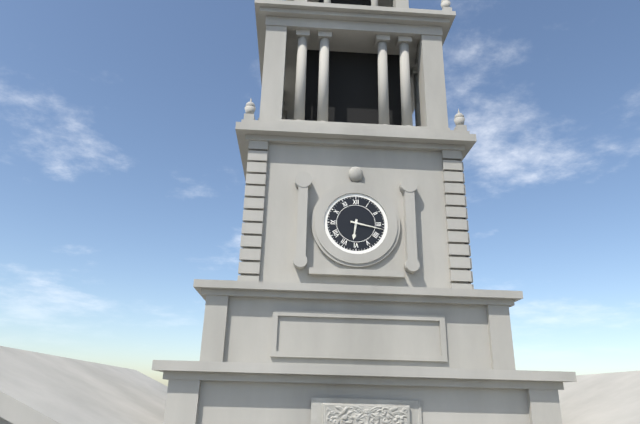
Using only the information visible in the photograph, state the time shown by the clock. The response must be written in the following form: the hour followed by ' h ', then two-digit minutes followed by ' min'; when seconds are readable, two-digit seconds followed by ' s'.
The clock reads 6 h 17 min
